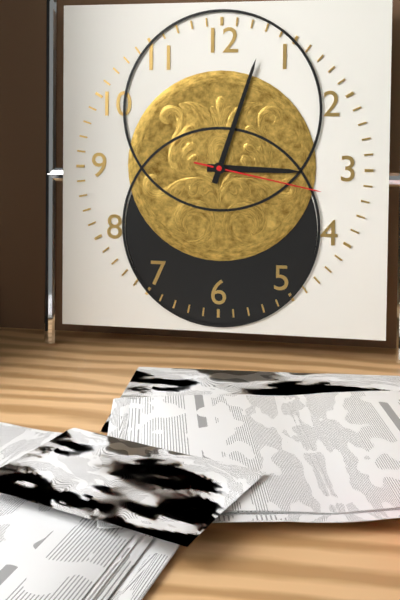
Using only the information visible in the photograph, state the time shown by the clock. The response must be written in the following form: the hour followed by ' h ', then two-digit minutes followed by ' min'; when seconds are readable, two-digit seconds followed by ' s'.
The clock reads 3 h 03 min 17 s
